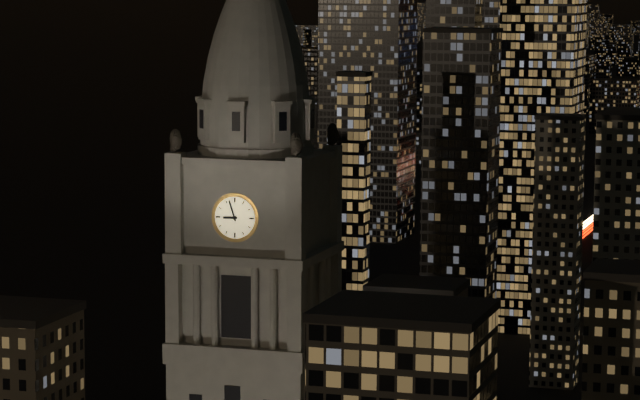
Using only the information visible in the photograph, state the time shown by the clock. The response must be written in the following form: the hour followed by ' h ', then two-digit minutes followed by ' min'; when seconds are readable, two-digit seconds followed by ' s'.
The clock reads 8 h 57 min
